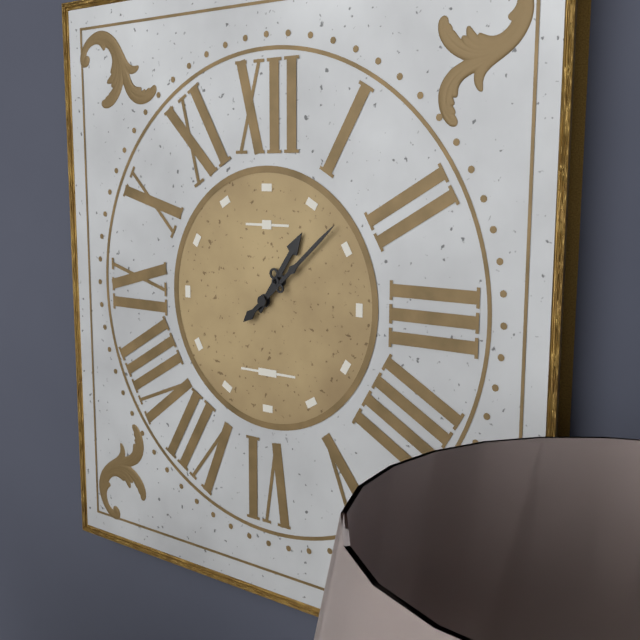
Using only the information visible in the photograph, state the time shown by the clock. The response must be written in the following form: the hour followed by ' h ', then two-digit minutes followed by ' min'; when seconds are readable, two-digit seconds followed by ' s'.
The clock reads 1 h 08 min
